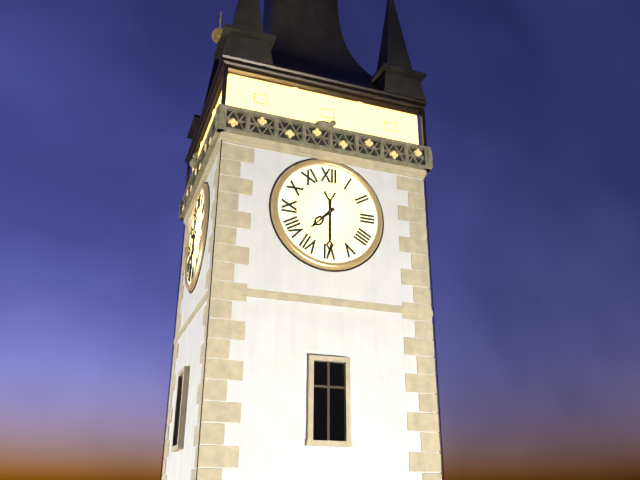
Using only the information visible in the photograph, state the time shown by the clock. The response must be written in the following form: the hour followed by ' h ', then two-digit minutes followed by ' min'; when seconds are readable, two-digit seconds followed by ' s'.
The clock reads 7 h 30 min
